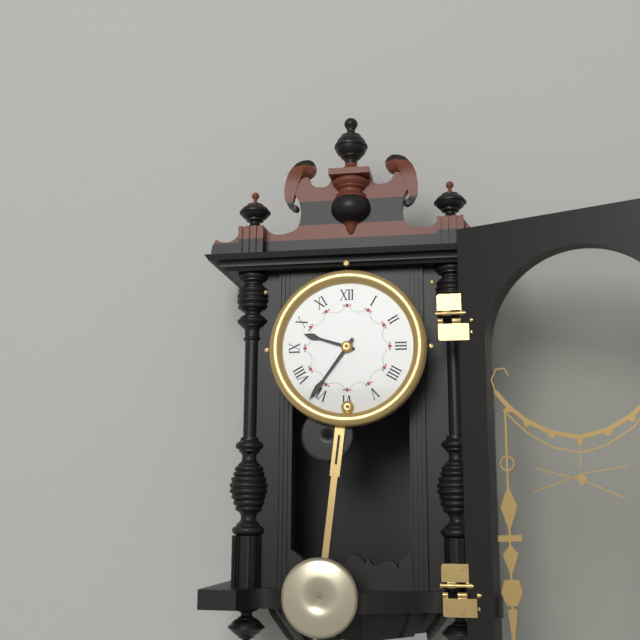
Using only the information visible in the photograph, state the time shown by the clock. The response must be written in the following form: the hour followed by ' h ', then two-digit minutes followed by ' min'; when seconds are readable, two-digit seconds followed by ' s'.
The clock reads 9 h 36 min
